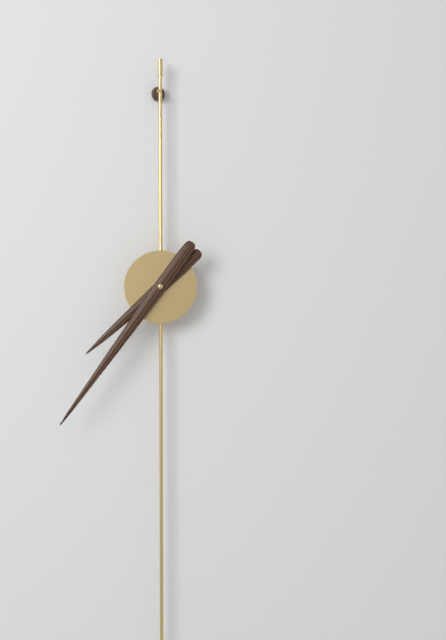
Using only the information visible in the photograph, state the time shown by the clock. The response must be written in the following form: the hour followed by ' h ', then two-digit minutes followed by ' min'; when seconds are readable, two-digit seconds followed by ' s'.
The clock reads 7 h 36 min
